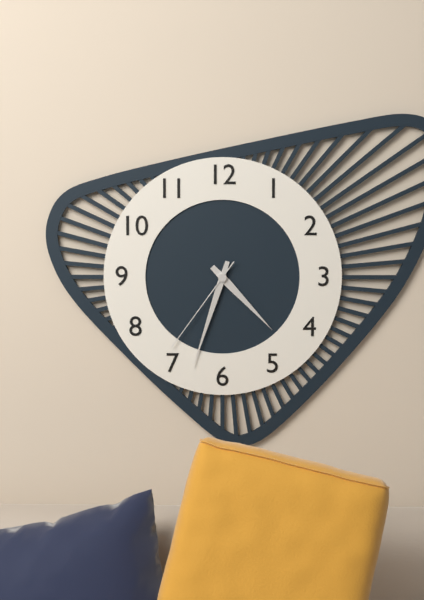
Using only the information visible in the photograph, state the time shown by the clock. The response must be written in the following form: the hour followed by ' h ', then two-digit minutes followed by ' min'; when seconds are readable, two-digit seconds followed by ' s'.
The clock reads 4 h 33 min 36 s
